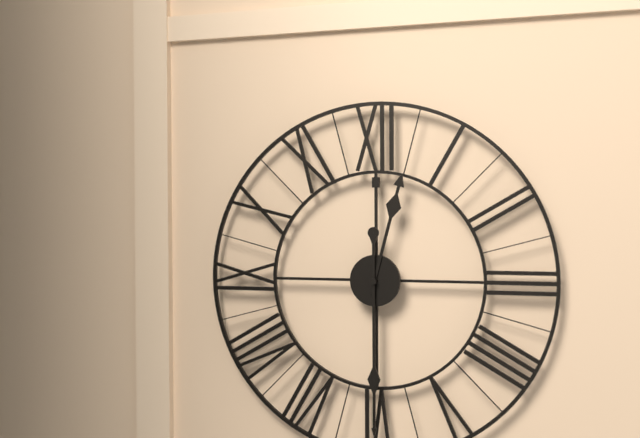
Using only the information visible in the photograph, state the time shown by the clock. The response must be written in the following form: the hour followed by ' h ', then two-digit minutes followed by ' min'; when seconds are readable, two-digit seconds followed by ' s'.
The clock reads 12 h 30 min
